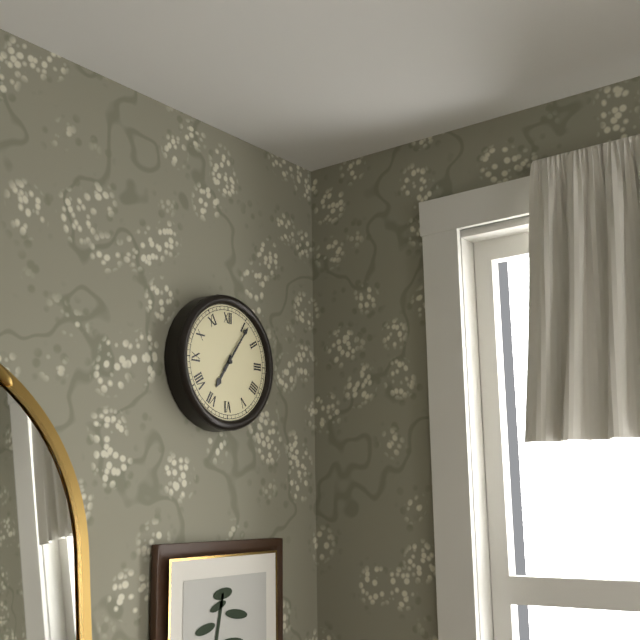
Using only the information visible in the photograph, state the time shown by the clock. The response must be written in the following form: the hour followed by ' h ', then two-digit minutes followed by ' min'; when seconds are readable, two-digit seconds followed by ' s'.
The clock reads 7 h 06 min
